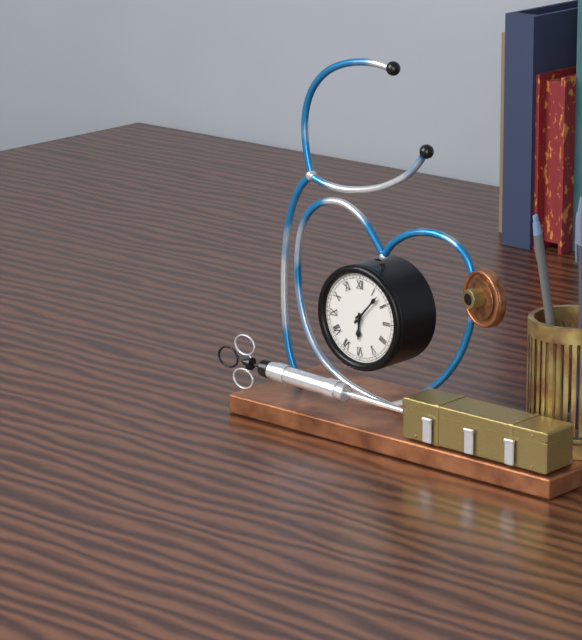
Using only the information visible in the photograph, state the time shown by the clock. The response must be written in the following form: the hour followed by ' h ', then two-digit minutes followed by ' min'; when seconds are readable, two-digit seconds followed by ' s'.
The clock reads 6 h 07 min
